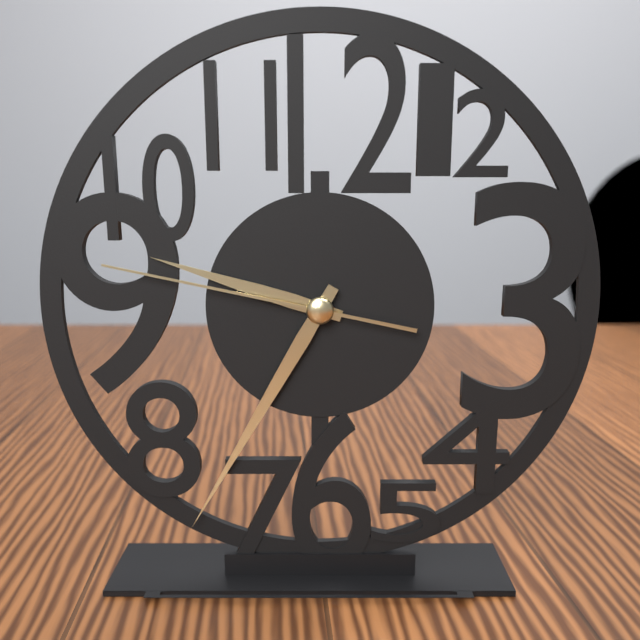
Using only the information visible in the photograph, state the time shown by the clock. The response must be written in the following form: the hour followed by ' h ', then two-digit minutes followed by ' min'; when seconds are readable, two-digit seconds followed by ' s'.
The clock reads 9 h 35 min 47 s
